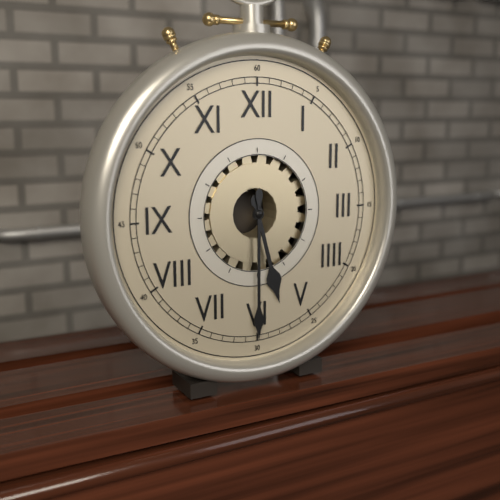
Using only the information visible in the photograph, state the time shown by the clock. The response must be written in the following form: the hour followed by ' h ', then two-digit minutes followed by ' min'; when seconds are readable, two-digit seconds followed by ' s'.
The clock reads 5 h 30 min
